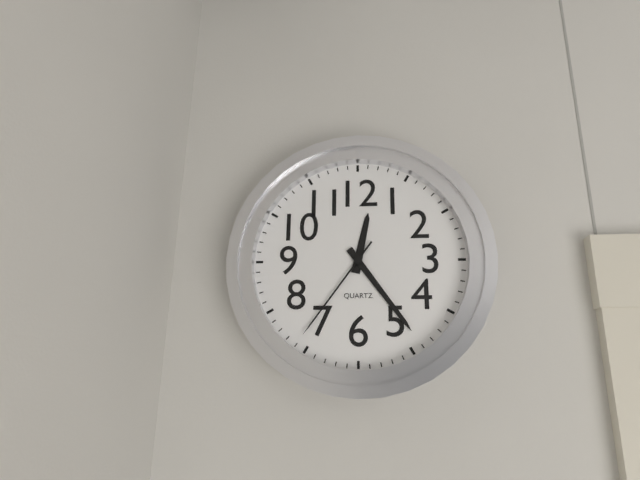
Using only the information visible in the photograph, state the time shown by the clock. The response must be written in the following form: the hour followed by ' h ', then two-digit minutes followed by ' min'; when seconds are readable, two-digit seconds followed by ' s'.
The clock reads 12 h 24 min 36 s
